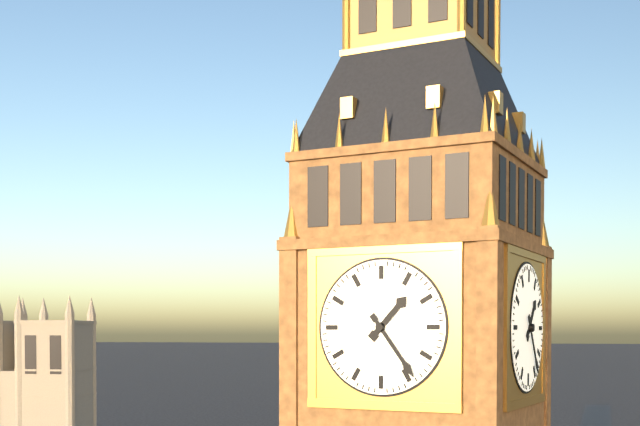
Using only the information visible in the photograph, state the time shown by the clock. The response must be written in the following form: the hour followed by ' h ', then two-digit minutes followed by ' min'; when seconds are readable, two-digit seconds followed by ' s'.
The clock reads 1 h 24 min
